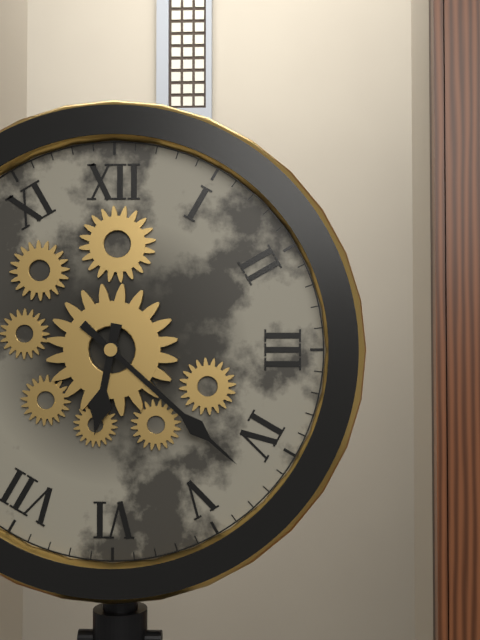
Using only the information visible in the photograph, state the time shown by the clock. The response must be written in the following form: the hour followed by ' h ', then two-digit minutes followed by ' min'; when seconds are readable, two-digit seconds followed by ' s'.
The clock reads 6 h 22 min
